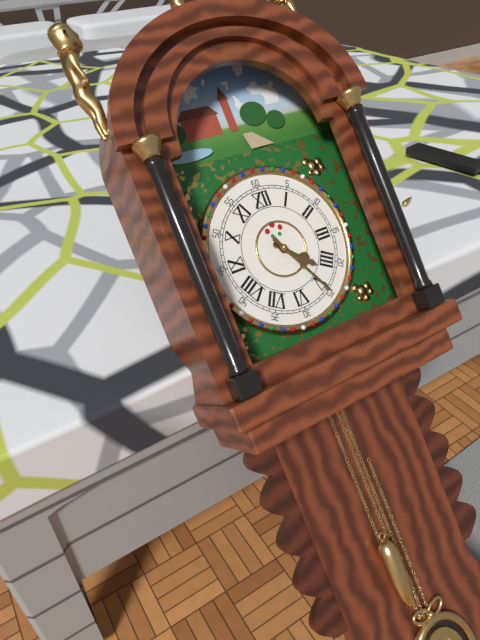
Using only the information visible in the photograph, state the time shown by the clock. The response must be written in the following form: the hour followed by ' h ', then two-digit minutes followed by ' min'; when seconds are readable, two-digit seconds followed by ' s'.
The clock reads 4 h 25 min
